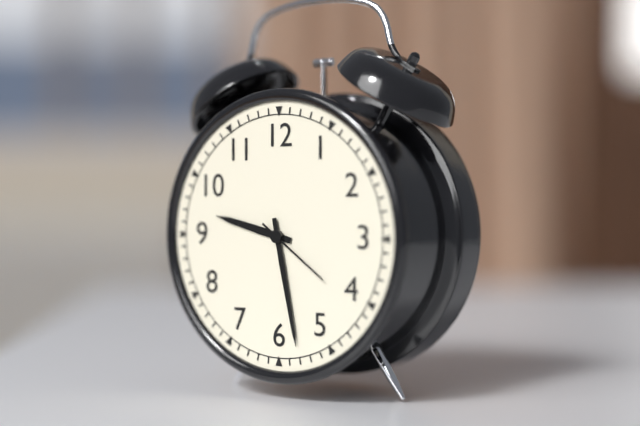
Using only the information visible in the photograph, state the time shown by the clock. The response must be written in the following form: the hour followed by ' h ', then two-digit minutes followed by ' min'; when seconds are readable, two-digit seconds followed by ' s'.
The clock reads 9 h 28 min 21 s
